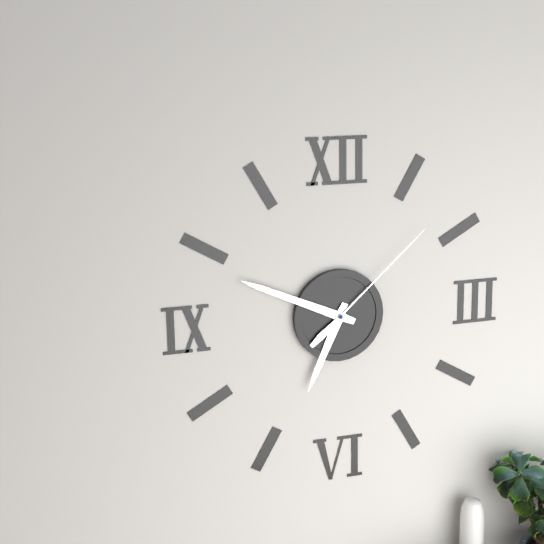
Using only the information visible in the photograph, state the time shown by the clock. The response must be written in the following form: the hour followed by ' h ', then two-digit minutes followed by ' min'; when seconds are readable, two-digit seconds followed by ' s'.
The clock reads 6 h 49 min 08 s
